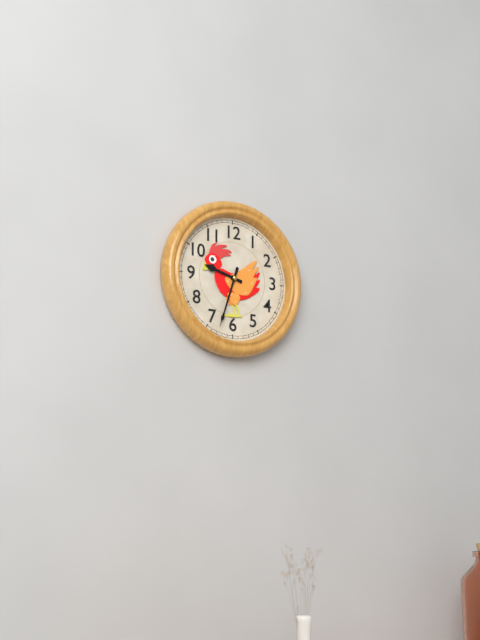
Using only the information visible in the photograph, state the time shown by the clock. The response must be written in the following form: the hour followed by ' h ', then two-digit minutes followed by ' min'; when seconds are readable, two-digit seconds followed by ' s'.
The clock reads 9 h 33 min
